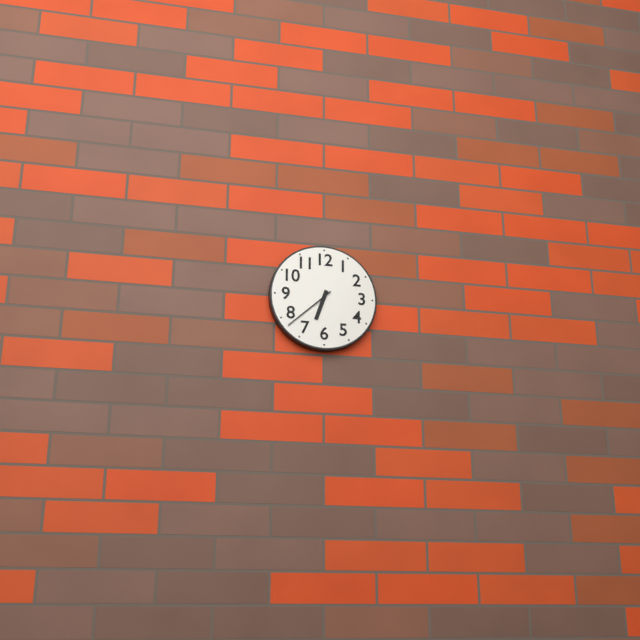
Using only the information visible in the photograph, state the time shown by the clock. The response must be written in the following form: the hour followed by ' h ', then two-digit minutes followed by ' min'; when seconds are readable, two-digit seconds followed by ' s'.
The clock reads 6 h 38 min
